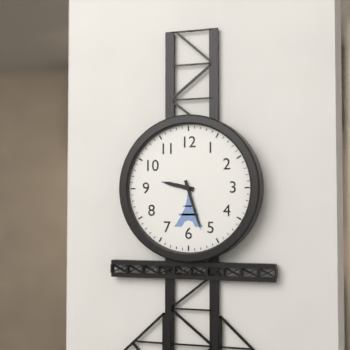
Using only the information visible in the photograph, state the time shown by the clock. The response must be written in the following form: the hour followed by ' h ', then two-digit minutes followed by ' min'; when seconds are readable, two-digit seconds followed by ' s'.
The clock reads 9 h 27 min
